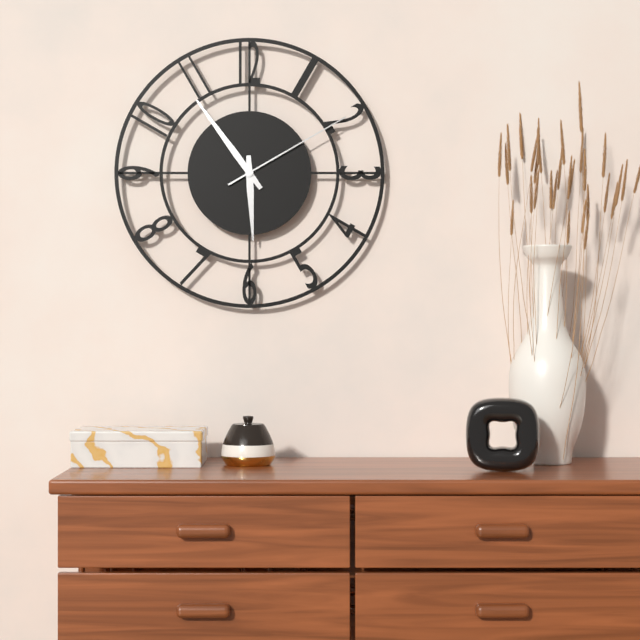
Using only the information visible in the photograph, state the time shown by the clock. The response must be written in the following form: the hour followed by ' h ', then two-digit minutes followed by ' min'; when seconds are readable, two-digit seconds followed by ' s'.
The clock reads 5 h 54 min 10 s
